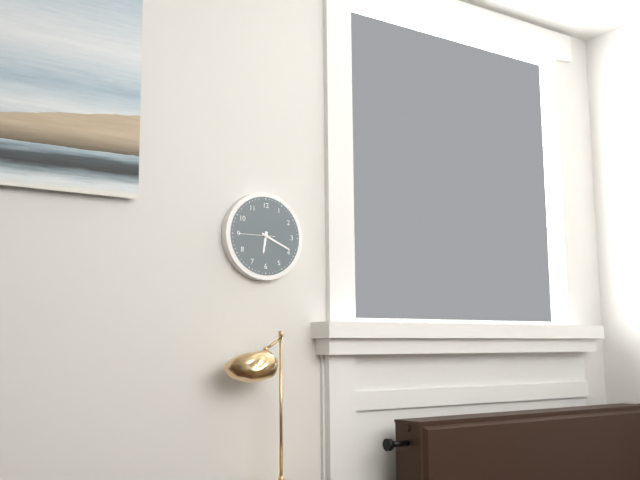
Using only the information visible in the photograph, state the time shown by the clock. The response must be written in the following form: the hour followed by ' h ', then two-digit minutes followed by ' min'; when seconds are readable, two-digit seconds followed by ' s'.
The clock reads 6 h 19 min
